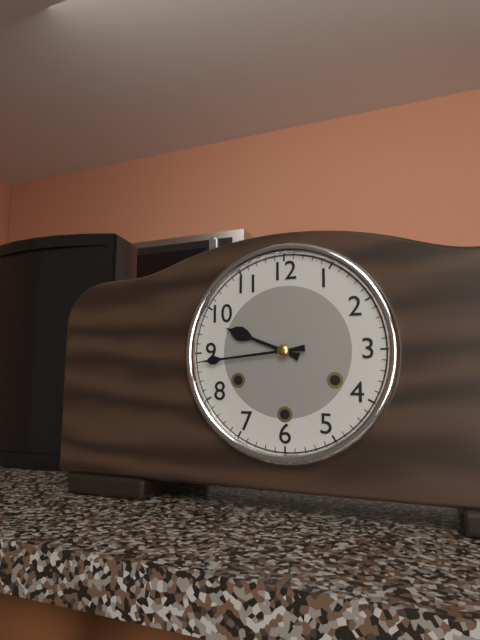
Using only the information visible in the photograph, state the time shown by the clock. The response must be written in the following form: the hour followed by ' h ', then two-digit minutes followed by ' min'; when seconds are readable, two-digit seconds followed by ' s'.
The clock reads 9 h 44 min
